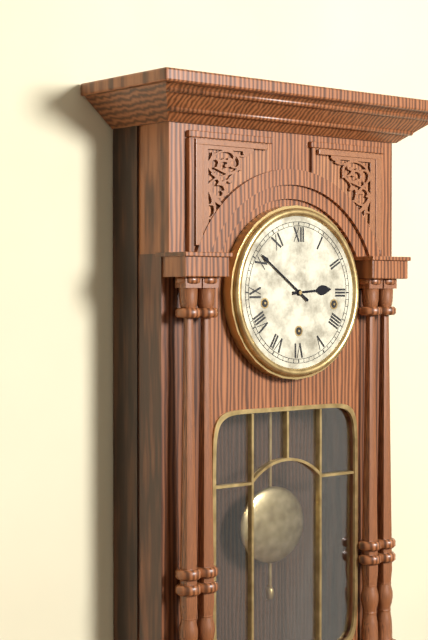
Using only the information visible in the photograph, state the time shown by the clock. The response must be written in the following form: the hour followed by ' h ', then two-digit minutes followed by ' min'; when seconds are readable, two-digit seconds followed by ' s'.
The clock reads 2 h 51 min
